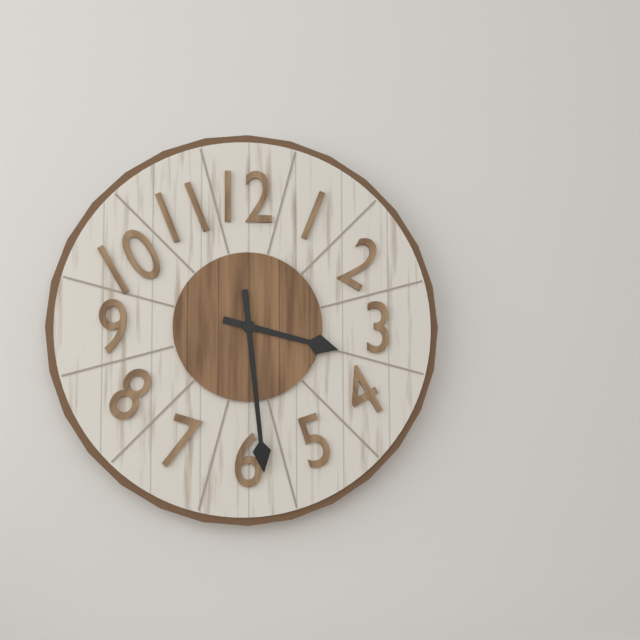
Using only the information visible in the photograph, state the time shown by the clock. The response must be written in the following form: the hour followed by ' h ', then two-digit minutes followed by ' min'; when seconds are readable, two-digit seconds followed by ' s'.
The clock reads 3 h 29 min
